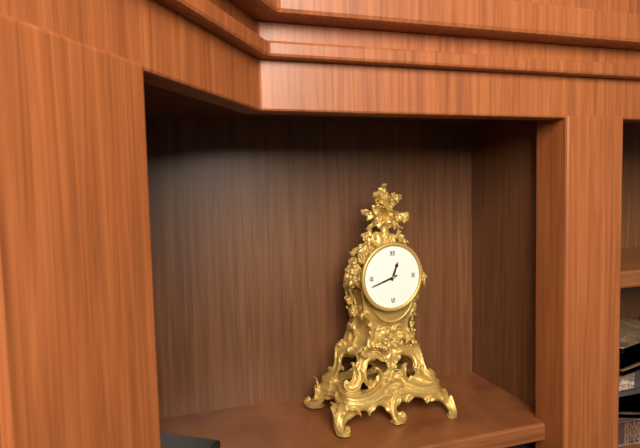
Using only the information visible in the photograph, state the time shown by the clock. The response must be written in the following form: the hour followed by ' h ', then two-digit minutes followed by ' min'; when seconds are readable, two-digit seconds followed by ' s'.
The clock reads 12 h 42 min
